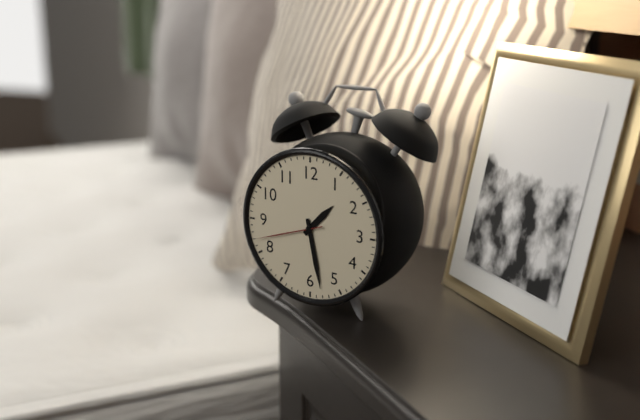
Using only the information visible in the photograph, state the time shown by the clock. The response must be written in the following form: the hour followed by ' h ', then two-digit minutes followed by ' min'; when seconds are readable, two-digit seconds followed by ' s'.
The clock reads 1 h 28 min 42 s
